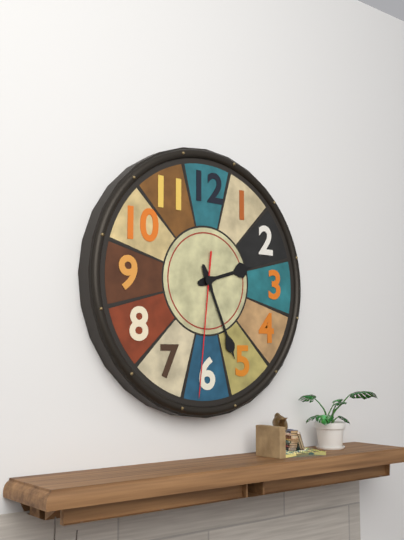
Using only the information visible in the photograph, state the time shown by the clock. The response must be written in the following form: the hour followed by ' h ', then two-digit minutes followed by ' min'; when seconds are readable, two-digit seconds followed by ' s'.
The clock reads 2 h 26 min 31 s
